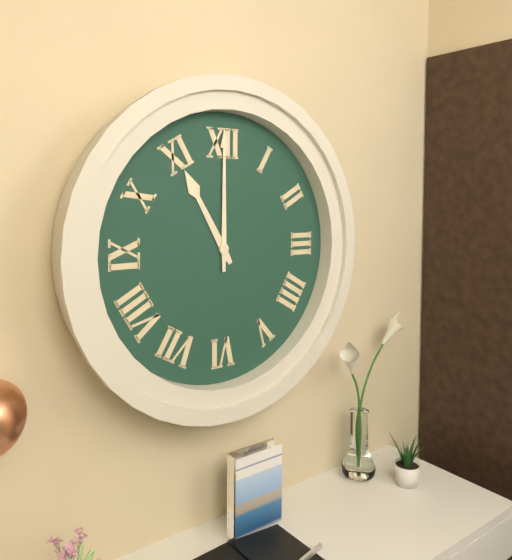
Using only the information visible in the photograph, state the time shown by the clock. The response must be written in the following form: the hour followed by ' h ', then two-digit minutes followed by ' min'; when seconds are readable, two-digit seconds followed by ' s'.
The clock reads 11 h 00 min
